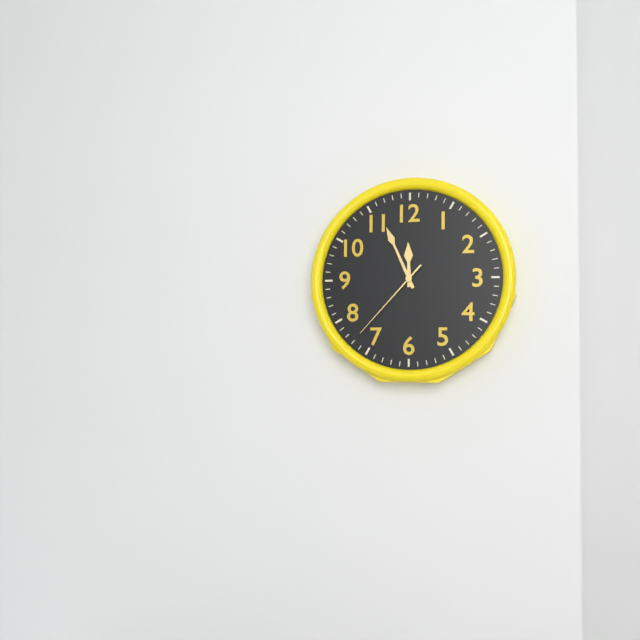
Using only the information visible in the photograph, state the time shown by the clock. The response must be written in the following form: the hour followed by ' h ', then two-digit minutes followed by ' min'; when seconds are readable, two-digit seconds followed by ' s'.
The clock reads 11 h 56 min 37 s
